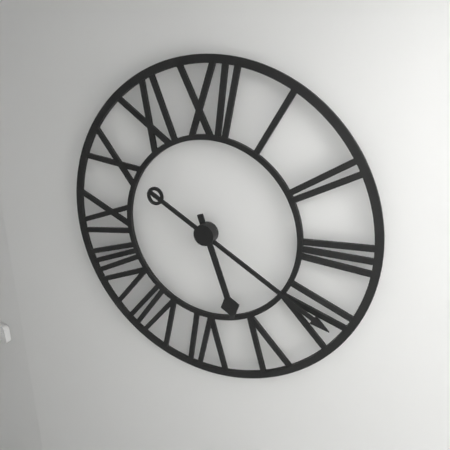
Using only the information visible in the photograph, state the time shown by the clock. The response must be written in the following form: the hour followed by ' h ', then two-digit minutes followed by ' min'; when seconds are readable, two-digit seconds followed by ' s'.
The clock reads 5 h 20 min
